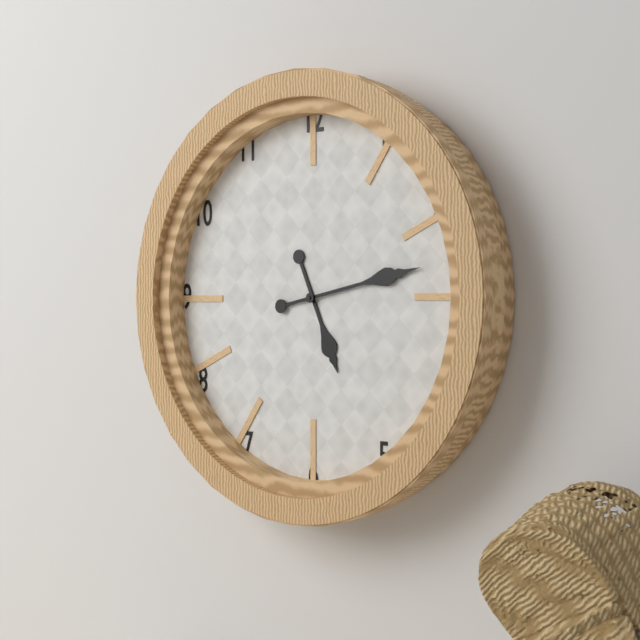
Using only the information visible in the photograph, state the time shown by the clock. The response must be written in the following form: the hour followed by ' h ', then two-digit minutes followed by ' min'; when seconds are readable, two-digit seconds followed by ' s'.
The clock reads 5 h 13 min
